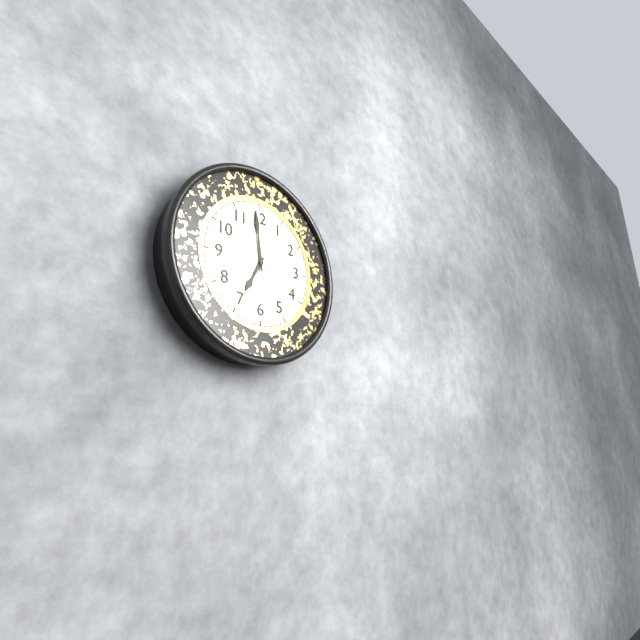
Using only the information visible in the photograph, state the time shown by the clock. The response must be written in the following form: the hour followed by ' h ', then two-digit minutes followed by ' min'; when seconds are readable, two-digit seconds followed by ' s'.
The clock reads 6 h 59 min
